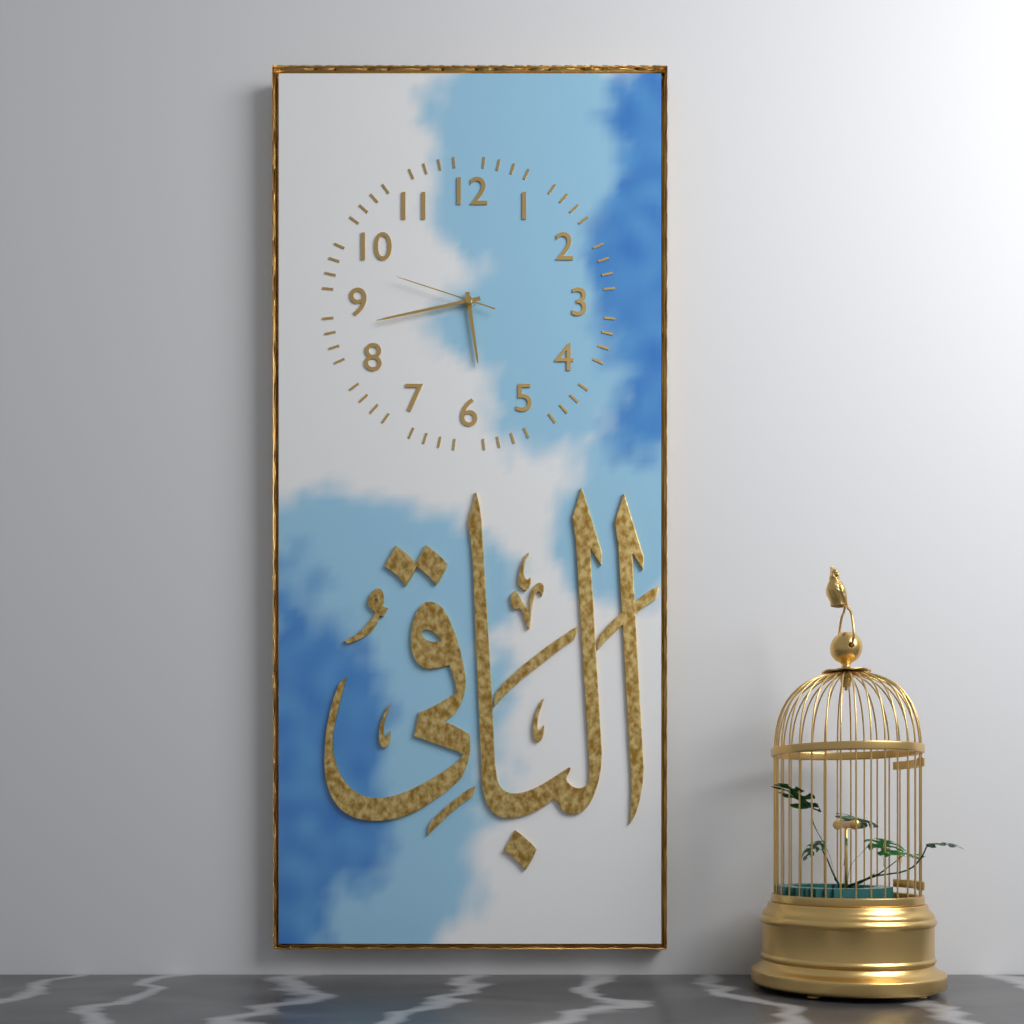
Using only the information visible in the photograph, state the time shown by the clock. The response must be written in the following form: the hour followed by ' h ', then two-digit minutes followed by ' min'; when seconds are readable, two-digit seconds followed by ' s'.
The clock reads 5 h 43 min 48 s
